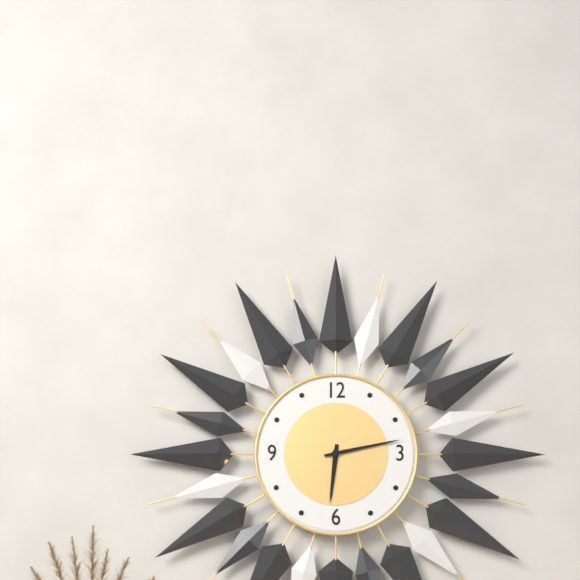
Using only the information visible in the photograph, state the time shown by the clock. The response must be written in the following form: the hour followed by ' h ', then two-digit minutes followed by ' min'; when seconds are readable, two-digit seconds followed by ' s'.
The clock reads 6 h 13 min
